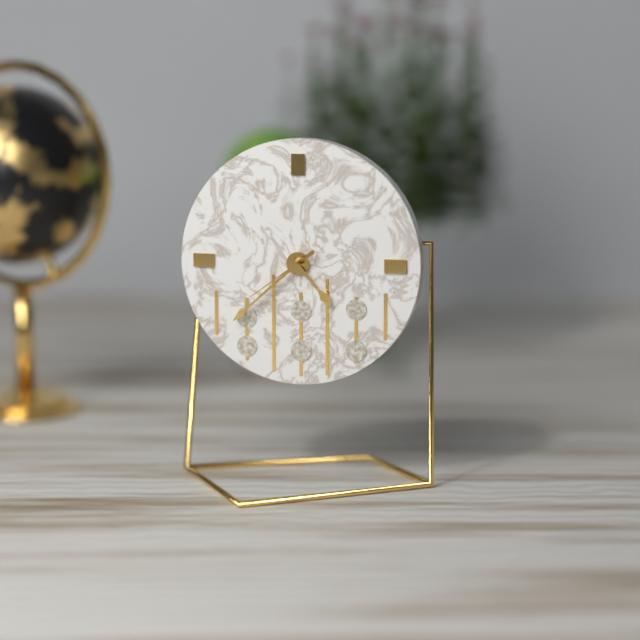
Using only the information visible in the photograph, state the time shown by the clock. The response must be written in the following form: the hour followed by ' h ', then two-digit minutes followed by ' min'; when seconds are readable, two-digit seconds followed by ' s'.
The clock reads 4 h 38 min 39 s
